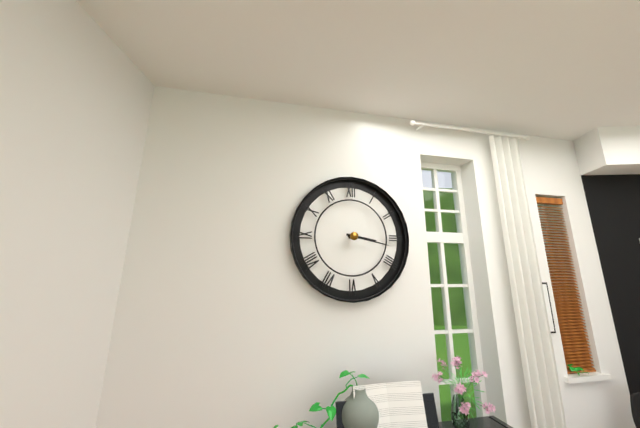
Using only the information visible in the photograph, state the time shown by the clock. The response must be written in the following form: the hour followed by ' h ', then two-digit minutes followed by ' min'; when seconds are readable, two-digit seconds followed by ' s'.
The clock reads 3 h 17 min
